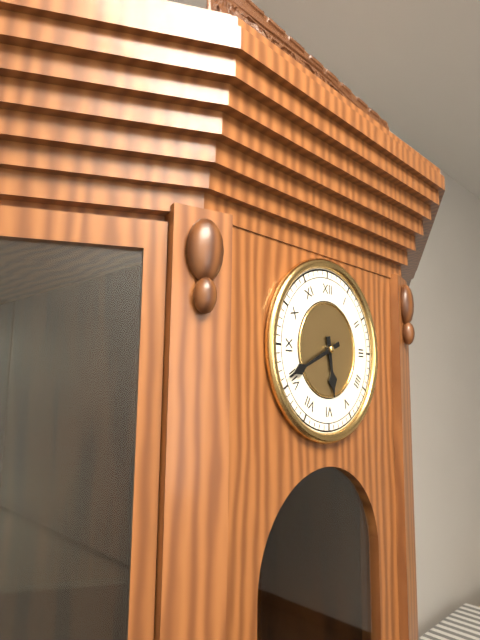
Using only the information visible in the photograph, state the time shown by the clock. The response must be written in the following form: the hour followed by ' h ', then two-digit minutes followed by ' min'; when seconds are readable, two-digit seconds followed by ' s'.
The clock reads 5 h 41 min
